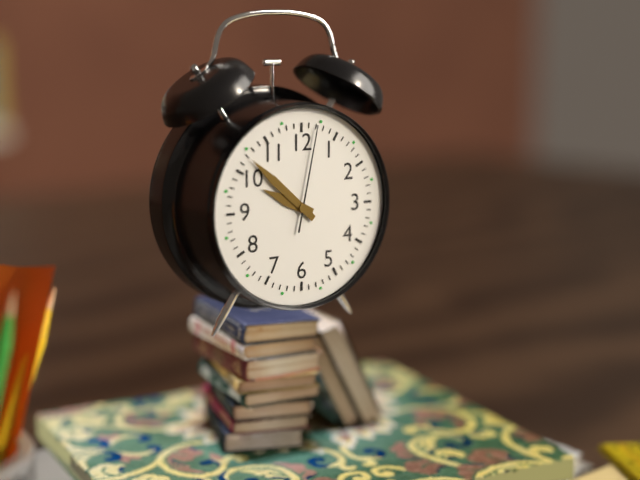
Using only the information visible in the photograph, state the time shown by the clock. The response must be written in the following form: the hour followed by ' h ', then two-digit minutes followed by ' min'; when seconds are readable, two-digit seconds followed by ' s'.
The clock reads 9 h 52 min 02 s
